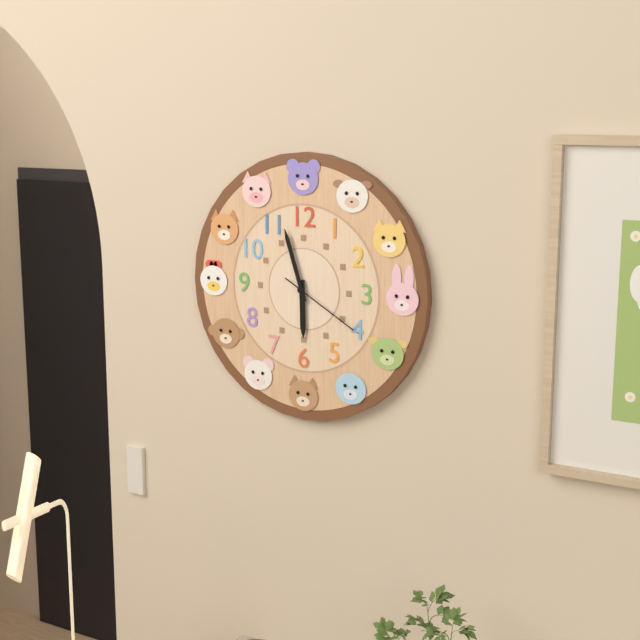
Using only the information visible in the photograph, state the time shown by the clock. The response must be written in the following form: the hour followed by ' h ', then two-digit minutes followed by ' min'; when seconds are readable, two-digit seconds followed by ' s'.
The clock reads 5 h 57 min 20 s
